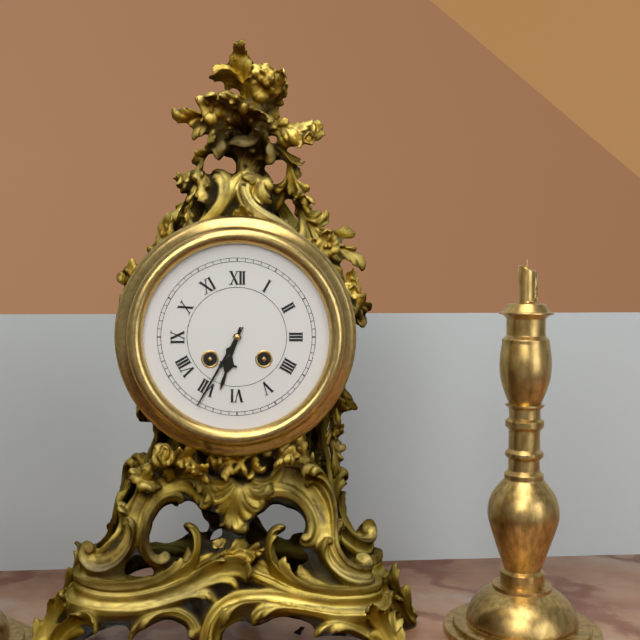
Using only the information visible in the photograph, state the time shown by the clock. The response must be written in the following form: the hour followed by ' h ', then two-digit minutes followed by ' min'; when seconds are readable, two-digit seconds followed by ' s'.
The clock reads 6 h 35 min
